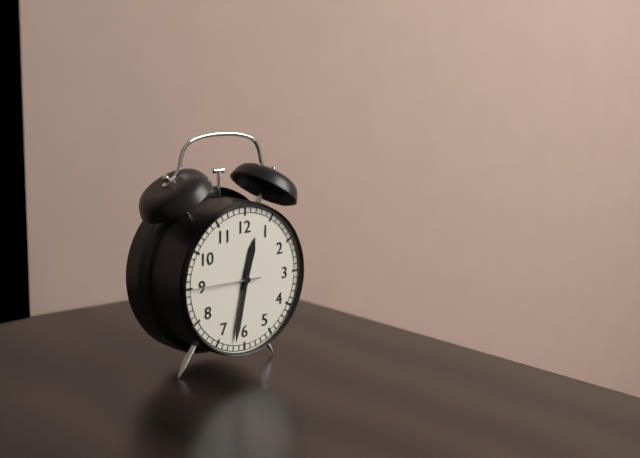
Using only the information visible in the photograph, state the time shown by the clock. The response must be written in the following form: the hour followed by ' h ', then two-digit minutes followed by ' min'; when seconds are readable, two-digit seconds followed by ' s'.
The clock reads 12 h 32 min 45 s
